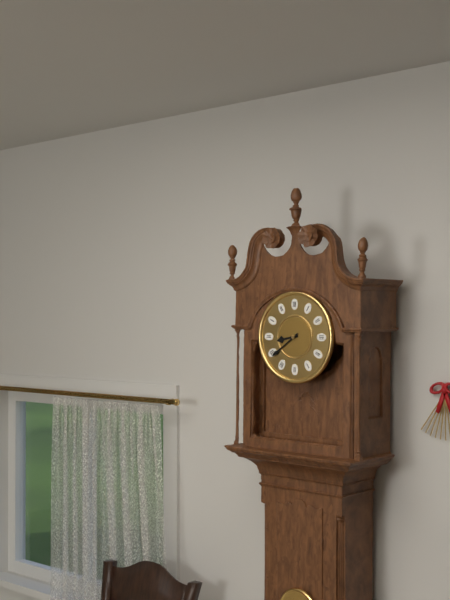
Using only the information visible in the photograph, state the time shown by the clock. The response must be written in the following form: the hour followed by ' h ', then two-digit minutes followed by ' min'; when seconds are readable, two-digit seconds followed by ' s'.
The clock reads 8 h 39 min
